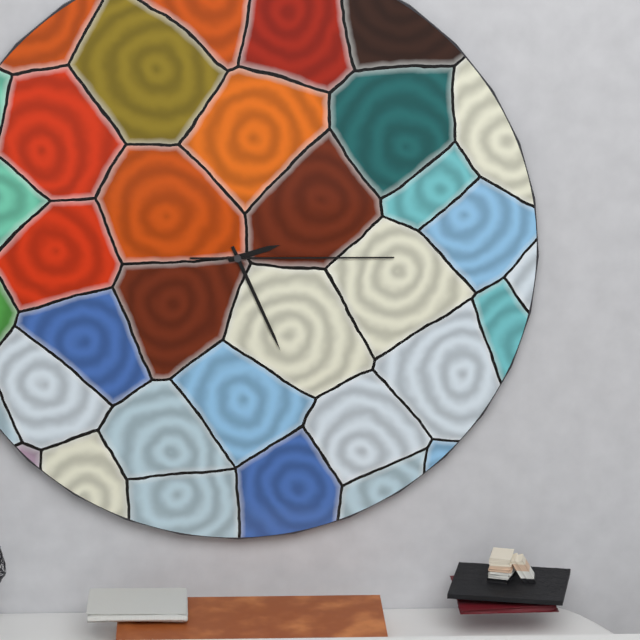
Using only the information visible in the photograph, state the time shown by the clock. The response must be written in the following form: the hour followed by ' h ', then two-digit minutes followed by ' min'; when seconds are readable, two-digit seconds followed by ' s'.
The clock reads 2 h 26 min 15 s
